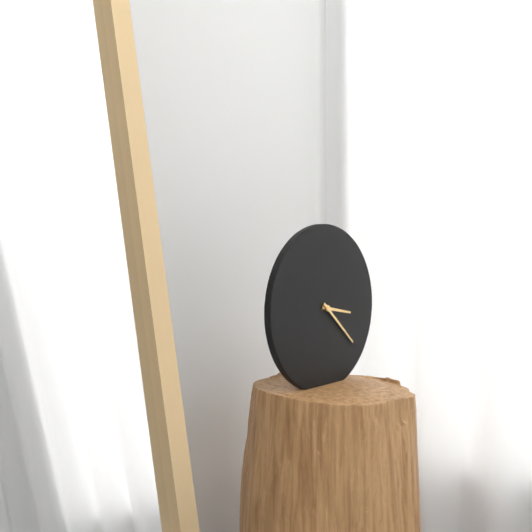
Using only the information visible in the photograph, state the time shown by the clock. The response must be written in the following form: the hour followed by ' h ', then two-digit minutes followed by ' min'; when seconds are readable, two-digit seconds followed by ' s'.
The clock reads 3 h 22 min
